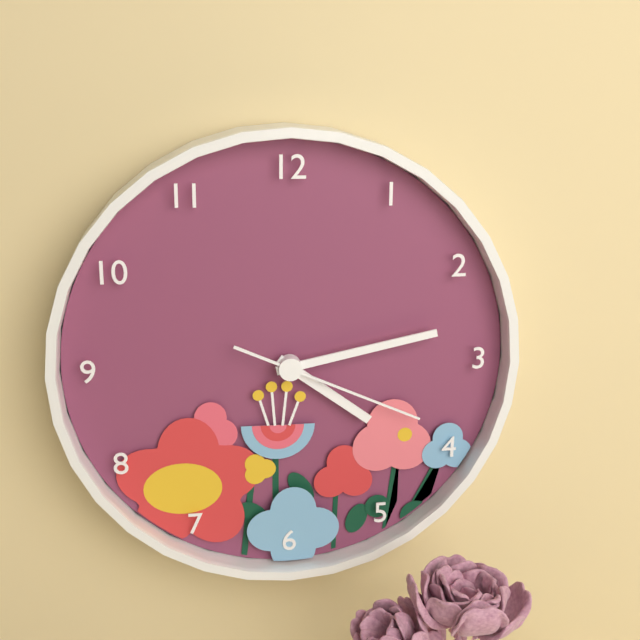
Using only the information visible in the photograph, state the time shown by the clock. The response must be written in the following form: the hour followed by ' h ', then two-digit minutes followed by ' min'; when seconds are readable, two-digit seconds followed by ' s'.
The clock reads 4 h 13 min 19 s
